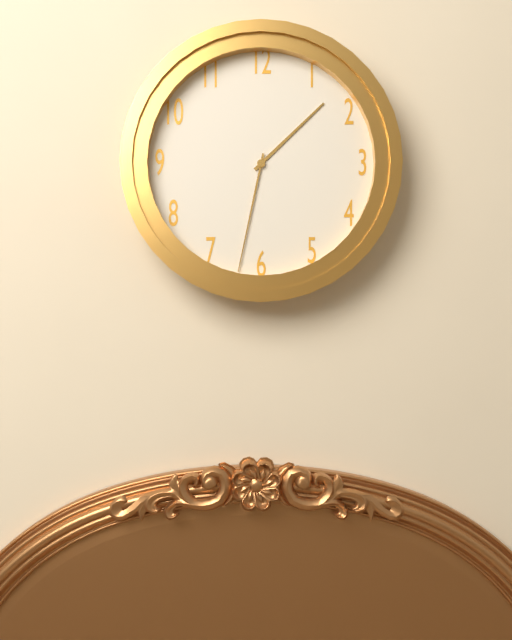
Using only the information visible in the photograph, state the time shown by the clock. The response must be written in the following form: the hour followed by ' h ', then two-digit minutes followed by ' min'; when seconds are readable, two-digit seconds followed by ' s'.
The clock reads 1 h 32 min
